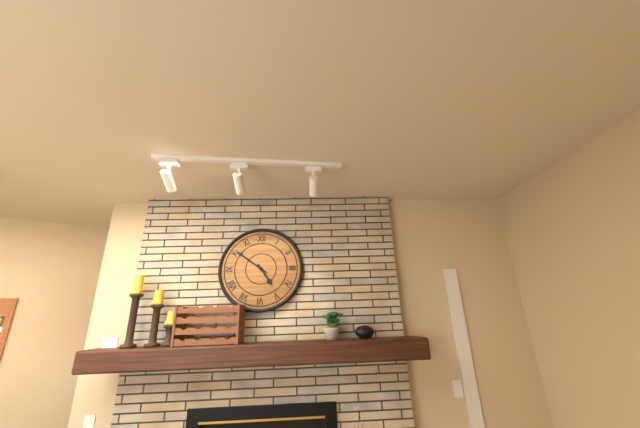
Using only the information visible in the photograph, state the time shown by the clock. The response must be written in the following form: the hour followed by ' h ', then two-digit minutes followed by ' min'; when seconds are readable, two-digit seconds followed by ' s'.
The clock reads 4 h 51 min
